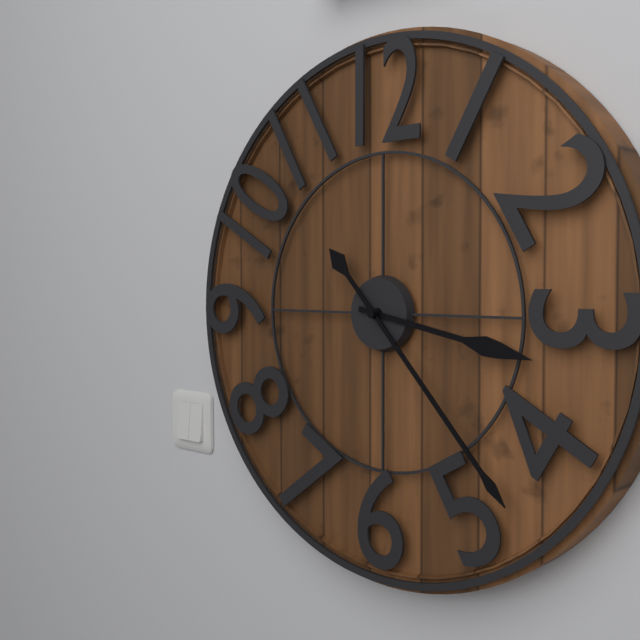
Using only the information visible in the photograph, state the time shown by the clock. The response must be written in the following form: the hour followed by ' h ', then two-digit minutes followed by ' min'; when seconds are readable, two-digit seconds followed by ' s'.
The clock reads 3 h 23 min
